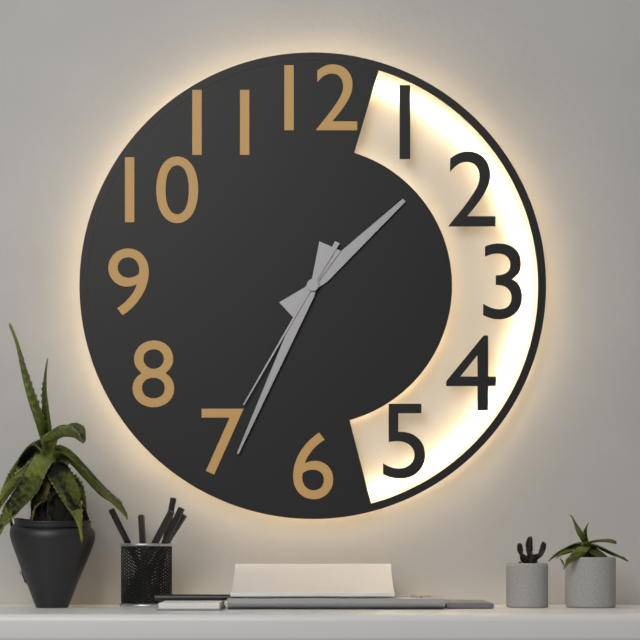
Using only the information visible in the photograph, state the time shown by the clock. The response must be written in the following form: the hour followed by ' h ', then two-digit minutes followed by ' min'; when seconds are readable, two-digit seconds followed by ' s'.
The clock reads 1 h 34 min 35 s
